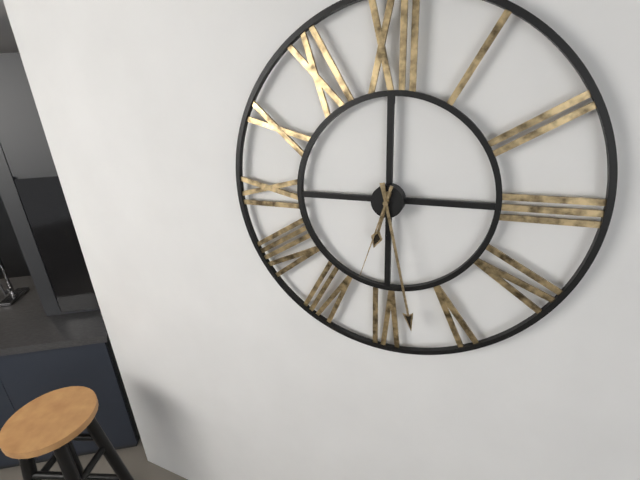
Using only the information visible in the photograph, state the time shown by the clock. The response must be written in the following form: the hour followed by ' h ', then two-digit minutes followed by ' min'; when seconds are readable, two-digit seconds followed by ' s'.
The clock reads 6 h 28 min 33 s
